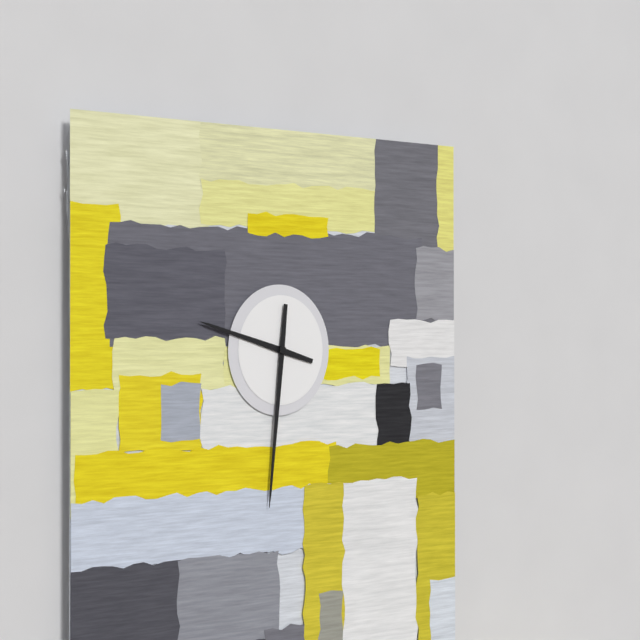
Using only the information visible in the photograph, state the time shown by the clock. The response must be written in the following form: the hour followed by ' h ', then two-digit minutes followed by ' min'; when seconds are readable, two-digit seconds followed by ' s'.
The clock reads 9 h 31 min
